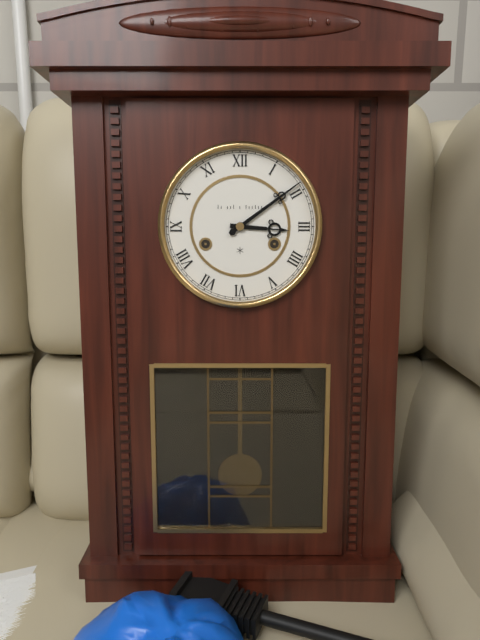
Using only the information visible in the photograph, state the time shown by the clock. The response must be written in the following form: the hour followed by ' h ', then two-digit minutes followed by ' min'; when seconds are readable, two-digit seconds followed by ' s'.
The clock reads 3 h 09 min
